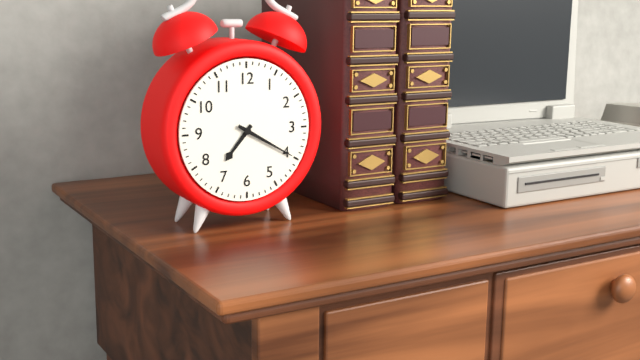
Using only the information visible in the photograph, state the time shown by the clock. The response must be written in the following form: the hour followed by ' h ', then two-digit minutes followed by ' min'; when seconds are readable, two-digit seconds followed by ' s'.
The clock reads 7 h 20 min
